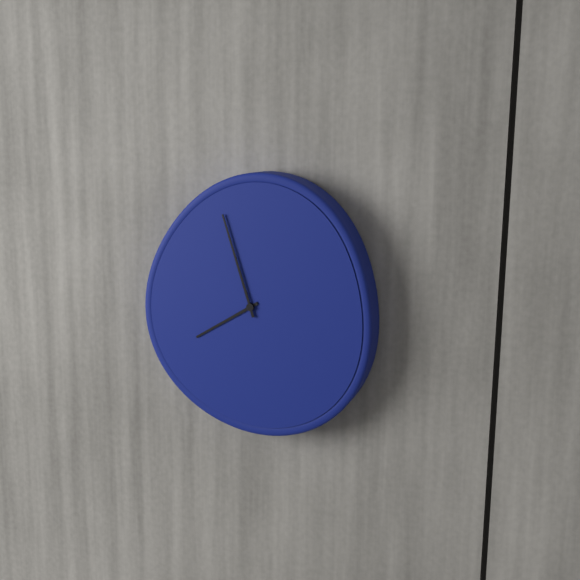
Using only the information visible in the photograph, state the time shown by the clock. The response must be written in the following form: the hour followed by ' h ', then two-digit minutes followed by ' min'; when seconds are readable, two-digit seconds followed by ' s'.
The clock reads 7 h 57 min
